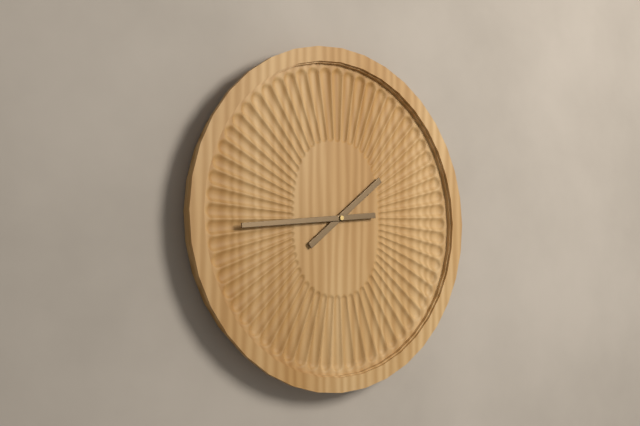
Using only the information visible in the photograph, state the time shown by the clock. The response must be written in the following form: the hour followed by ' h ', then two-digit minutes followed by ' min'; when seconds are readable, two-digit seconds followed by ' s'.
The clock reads 1 h 44 min
